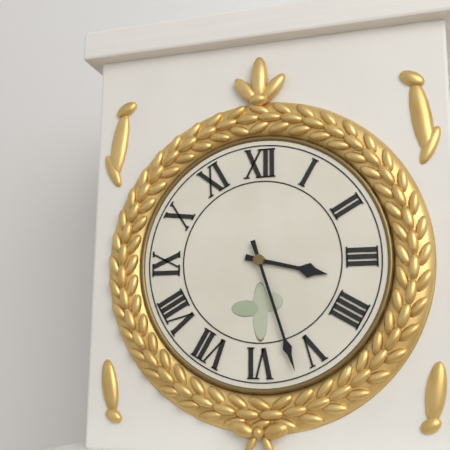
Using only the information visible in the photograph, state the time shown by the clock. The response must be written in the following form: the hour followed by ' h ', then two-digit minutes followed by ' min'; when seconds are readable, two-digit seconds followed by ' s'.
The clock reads 3 h 27 min
